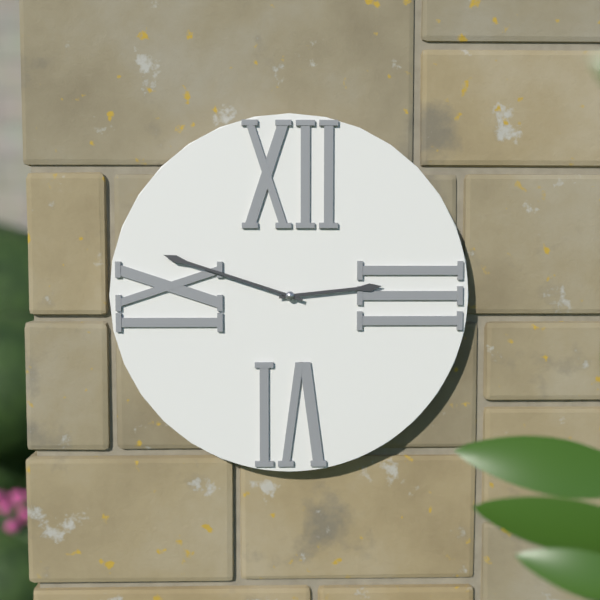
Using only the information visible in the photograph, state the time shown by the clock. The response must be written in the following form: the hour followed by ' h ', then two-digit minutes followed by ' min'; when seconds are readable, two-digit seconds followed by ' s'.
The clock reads 2 h 48 min
